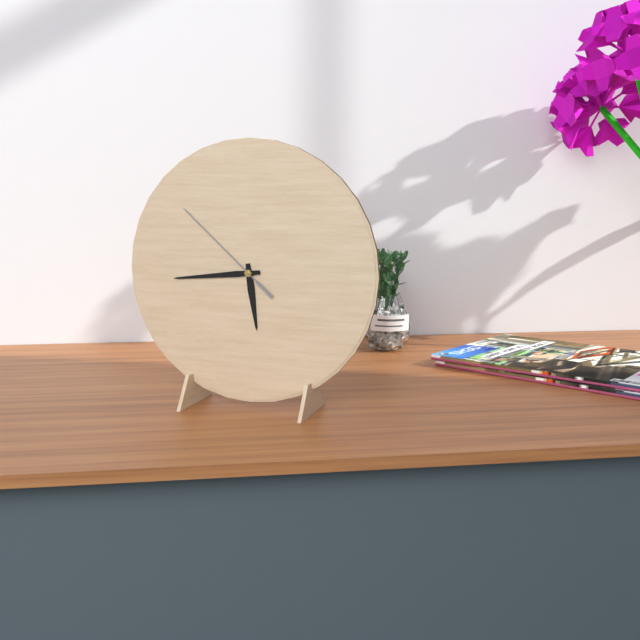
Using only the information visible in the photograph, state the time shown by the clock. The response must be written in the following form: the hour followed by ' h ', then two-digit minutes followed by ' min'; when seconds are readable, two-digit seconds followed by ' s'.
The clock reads 5 h 44 min 52 s
